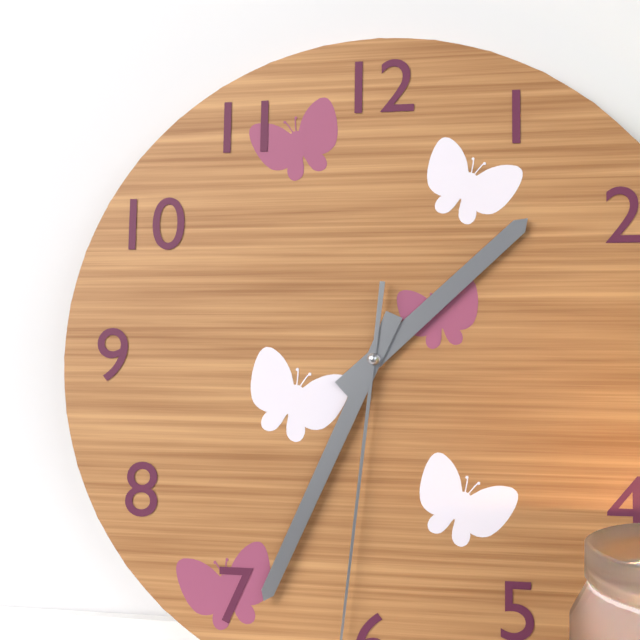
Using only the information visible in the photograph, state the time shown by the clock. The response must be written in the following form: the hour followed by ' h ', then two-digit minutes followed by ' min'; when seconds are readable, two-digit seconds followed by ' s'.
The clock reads 1 h 34 min
